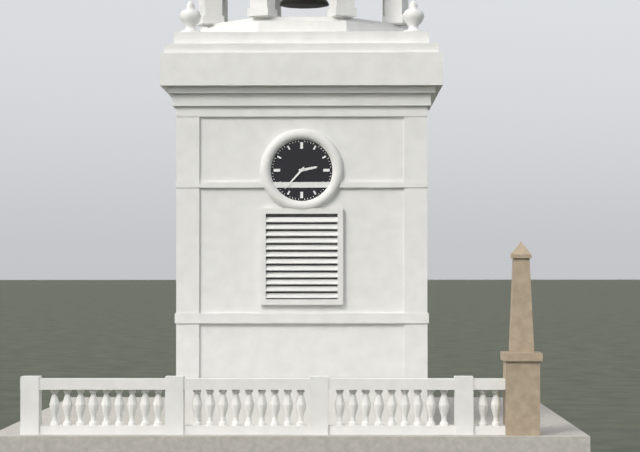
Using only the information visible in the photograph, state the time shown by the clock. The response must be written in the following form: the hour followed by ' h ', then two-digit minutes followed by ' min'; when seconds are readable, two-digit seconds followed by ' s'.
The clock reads 2 h 37 min
